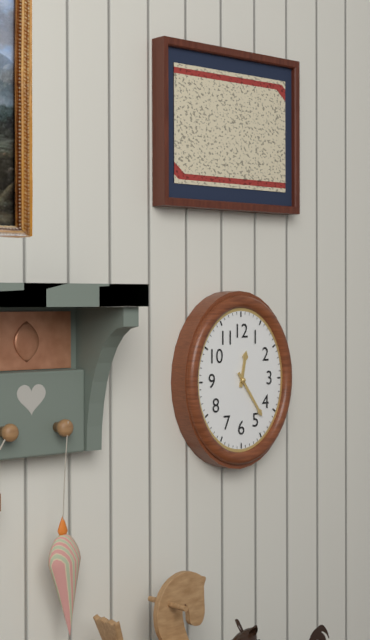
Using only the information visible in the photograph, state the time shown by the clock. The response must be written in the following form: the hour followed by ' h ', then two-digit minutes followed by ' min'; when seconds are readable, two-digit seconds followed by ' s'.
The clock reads 12 h 24 min
